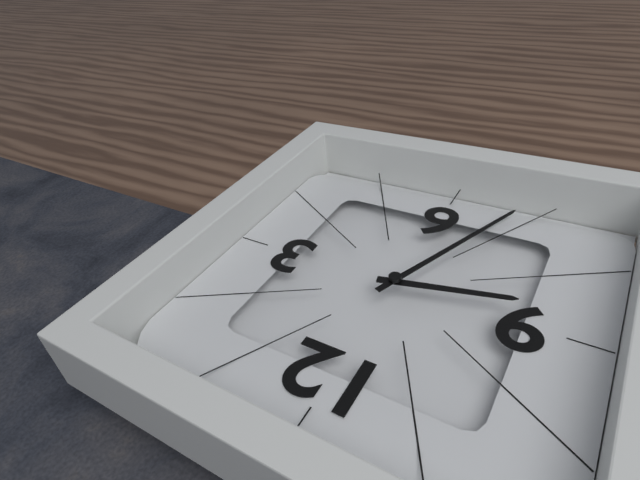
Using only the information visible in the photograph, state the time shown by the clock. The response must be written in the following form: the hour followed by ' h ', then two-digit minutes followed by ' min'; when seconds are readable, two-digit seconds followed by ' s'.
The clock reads 8 h 34 min
